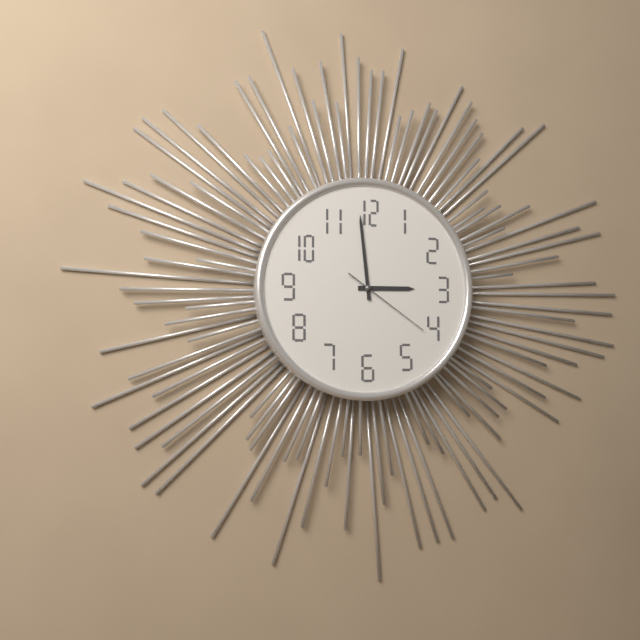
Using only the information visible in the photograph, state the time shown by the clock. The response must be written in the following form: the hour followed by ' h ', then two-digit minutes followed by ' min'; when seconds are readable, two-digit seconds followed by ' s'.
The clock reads 2 h 59 min 21 s
